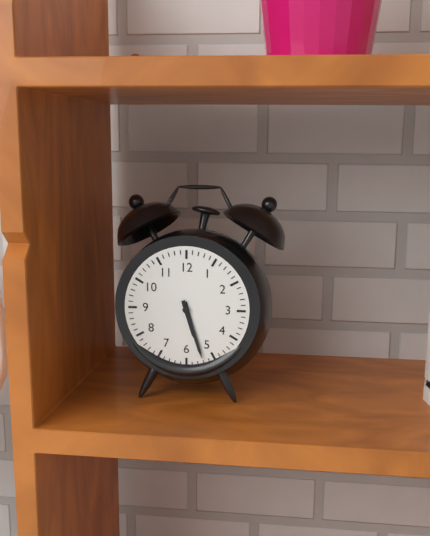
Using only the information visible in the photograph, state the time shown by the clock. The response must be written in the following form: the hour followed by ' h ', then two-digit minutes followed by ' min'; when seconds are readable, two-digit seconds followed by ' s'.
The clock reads 5 h 27 min
